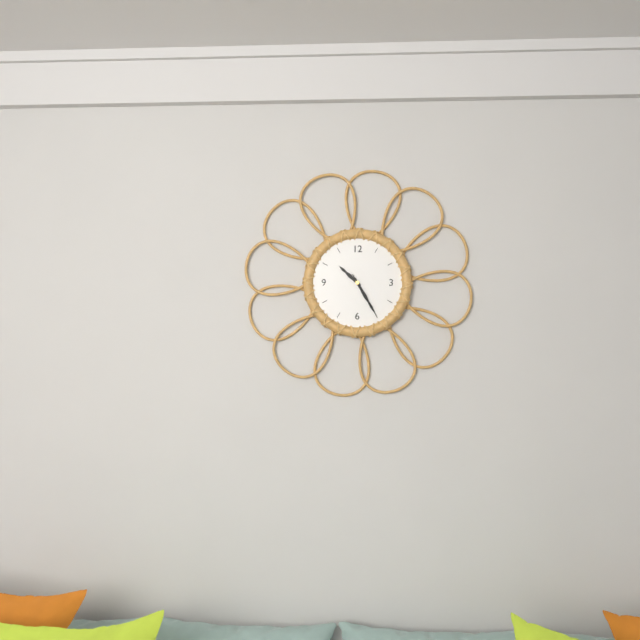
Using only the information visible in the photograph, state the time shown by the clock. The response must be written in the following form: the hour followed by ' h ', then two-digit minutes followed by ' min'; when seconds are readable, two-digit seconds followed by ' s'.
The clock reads 10 h 25 min
